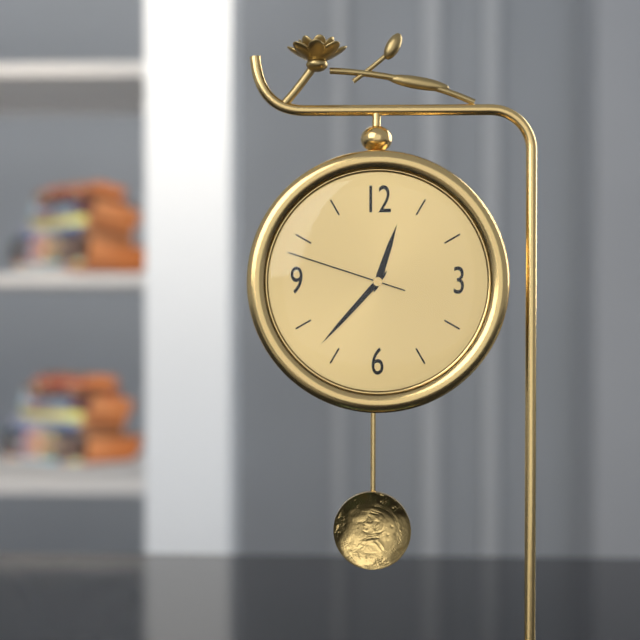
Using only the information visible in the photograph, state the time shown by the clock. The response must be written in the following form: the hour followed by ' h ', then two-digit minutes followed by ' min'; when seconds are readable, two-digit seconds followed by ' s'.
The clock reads 12 h 37 min 48 s
